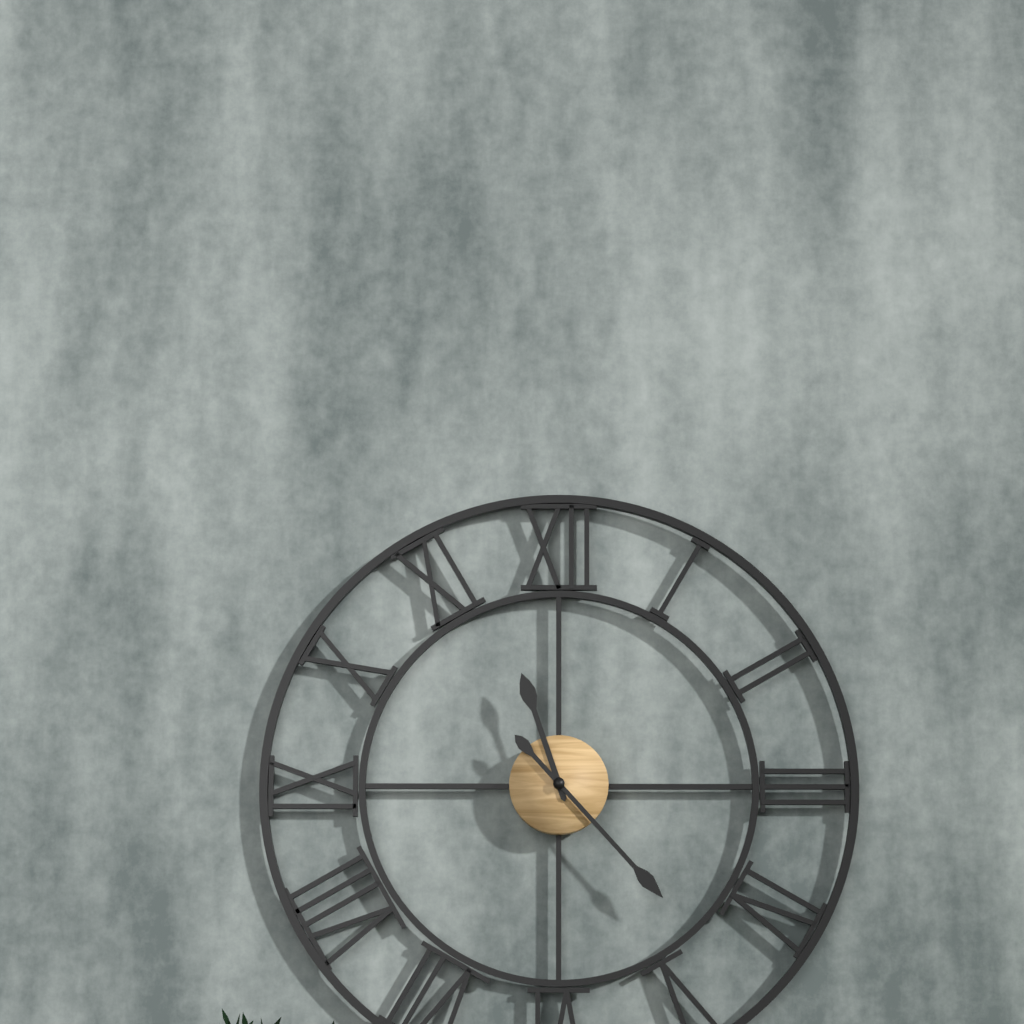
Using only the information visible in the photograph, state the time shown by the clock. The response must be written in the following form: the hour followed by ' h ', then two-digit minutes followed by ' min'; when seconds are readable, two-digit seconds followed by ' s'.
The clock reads 11 h 23 min
